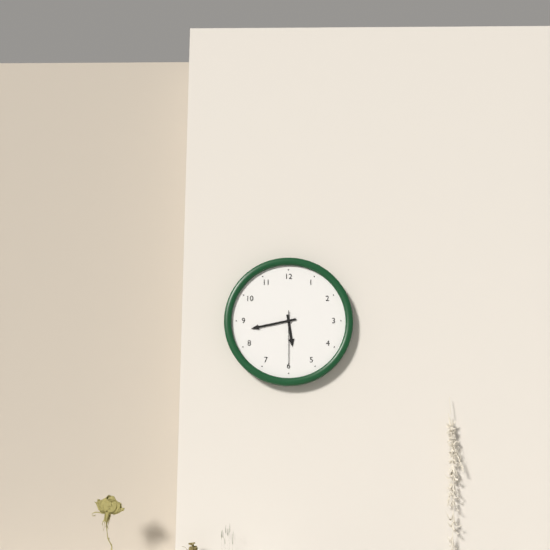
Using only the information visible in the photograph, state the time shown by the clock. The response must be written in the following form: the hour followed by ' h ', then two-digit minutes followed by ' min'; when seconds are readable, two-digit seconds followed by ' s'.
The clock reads 5 h 43 min 30 s
